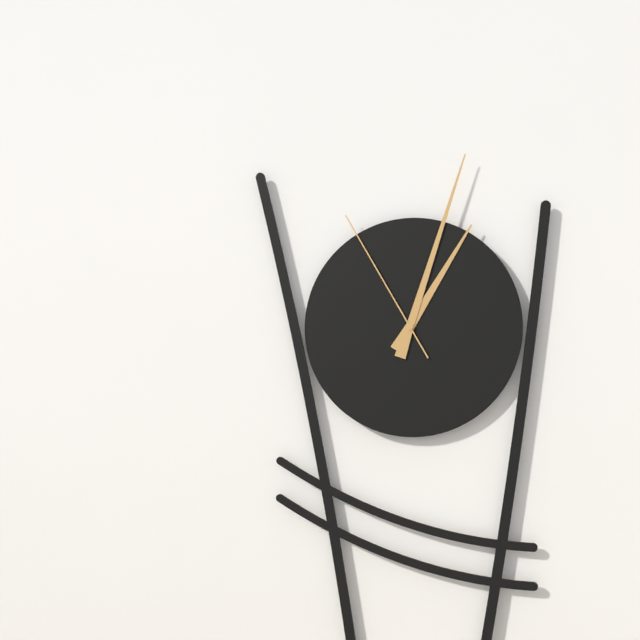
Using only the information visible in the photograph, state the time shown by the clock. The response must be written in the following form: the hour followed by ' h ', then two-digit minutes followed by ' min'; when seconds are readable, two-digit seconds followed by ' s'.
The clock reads 1 h 03 min 55 s
